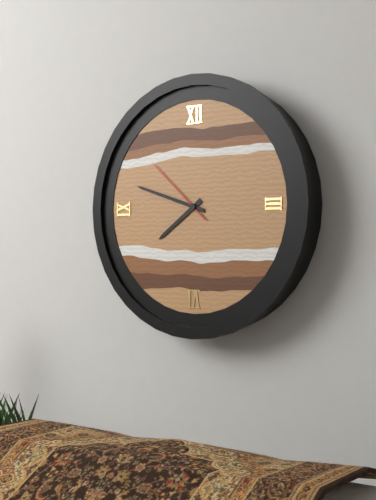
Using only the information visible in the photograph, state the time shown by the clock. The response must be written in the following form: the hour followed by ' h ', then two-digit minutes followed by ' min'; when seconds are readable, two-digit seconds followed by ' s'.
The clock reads 7 h 48 min 52 s
